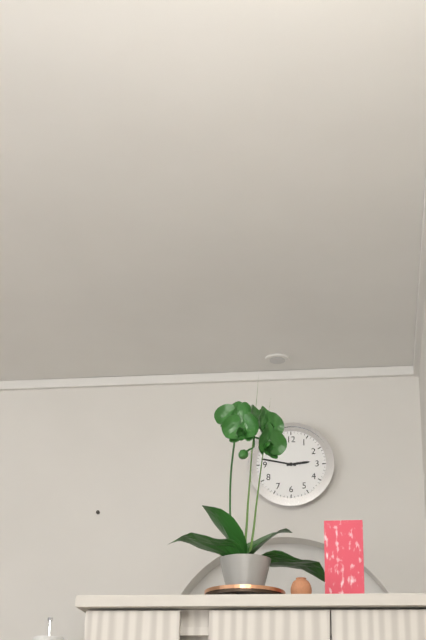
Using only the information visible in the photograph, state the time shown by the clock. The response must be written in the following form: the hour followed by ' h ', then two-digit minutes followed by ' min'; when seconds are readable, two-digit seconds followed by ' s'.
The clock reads 2 h 47 min
